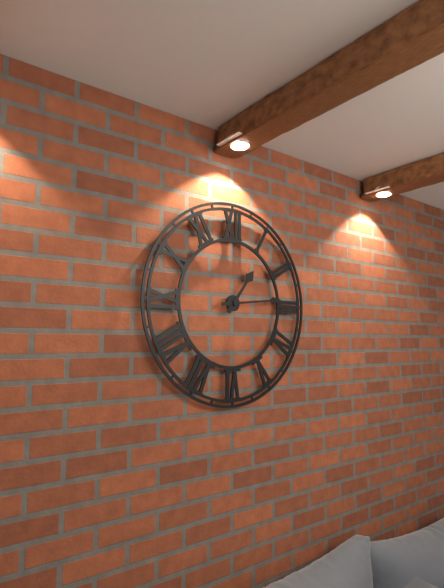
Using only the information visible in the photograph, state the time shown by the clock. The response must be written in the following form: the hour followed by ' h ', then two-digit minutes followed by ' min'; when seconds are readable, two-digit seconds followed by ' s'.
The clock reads 1 h 14 min
